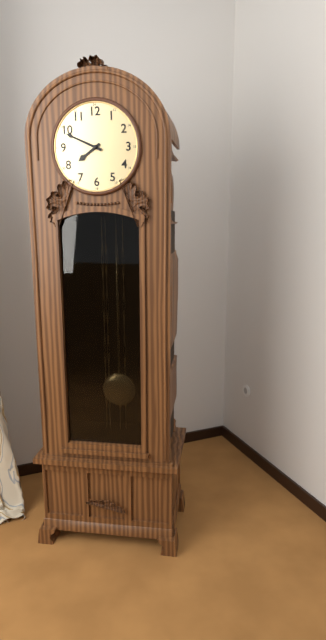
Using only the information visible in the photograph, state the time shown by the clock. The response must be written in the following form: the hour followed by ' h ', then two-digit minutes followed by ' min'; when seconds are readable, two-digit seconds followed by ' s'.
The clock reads 7 h 49 min
